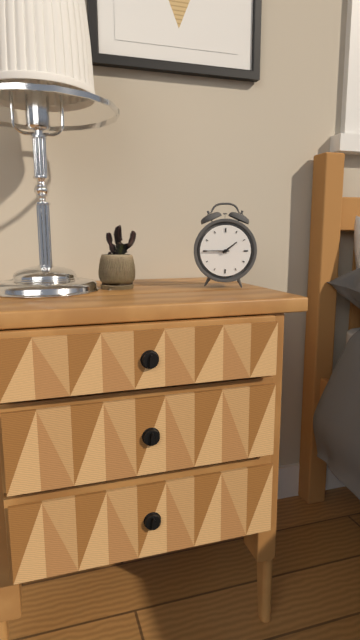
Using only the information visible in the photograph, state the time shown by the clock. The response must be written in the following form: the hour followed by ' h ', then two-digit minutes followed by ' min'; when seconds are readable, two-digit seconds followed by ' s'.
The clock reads 1 h 45 min
